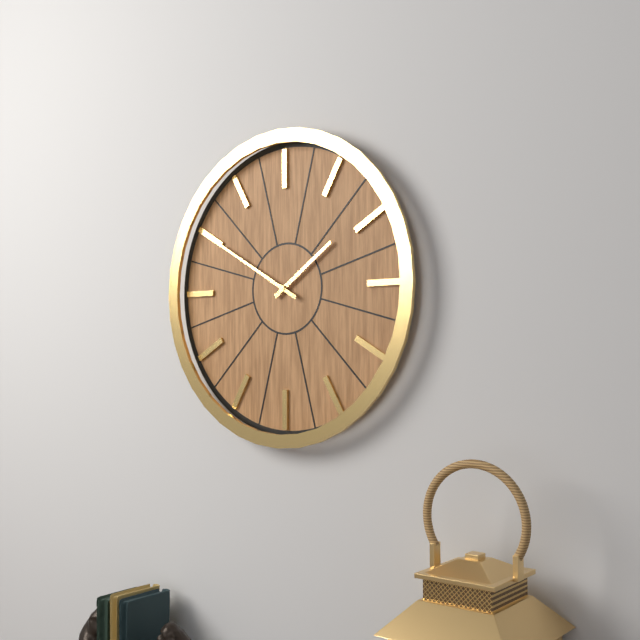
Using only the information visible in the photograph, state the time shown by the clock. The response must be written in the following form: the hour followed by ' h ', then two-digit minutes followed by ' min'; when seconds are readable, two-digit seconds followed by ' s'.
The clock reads 1 h 50 min
